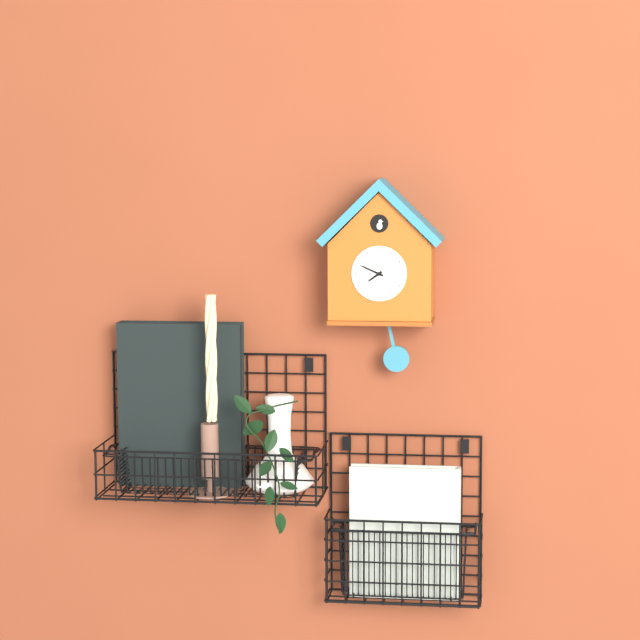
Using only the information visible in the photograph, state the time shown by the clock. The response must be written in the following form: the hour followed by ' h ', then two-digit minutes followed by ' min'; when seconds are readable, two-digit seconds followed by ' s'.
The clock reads 7 h 49 min
